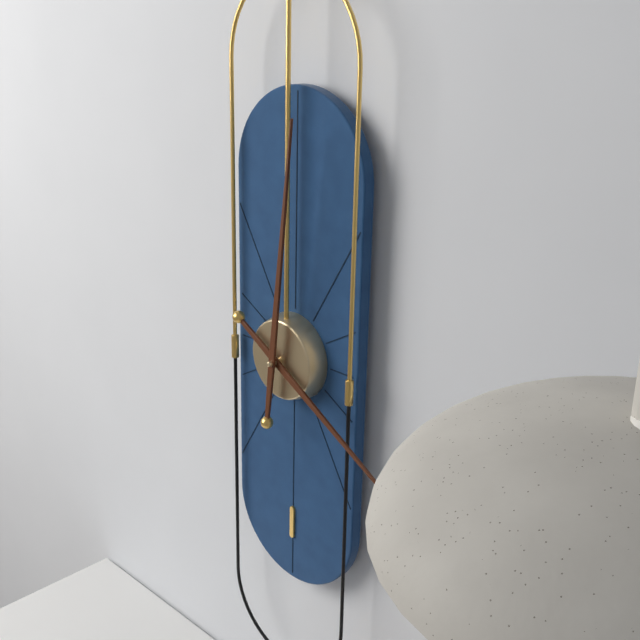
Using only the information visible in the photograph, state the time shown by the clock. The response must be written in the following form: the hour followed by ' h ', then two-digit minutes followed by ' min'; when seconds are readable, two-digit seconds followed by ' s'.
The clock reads 4 h 01 min
